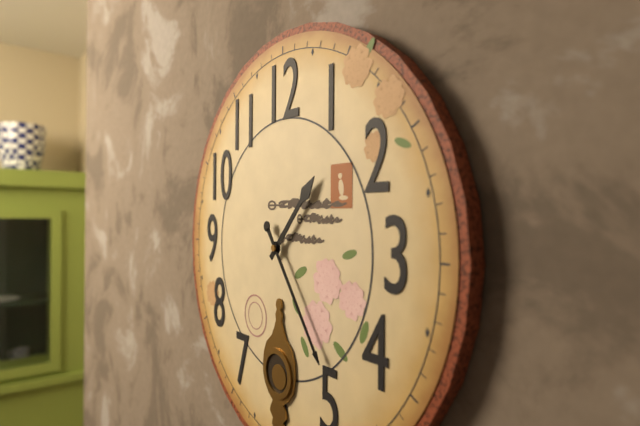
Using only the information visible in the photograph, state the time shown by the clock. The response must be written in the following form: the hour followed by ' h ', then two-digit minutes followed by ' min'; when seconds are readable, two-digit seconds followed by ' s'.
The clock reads 1 h 24 min
